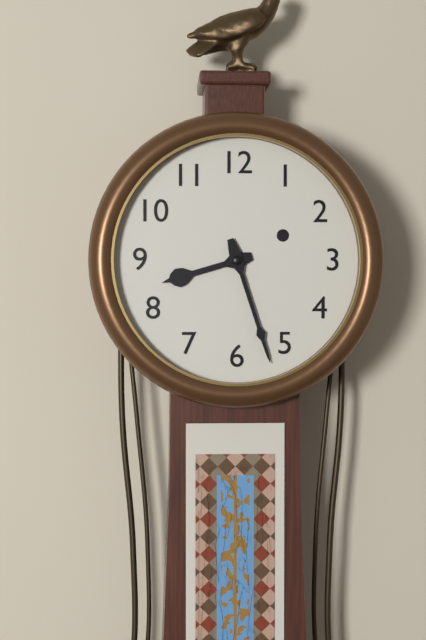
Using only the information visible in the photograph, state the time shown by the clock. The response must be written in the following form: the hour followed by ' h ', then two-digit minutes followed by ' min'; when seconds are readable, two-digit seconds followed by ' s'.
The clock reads 8 h 27 min
